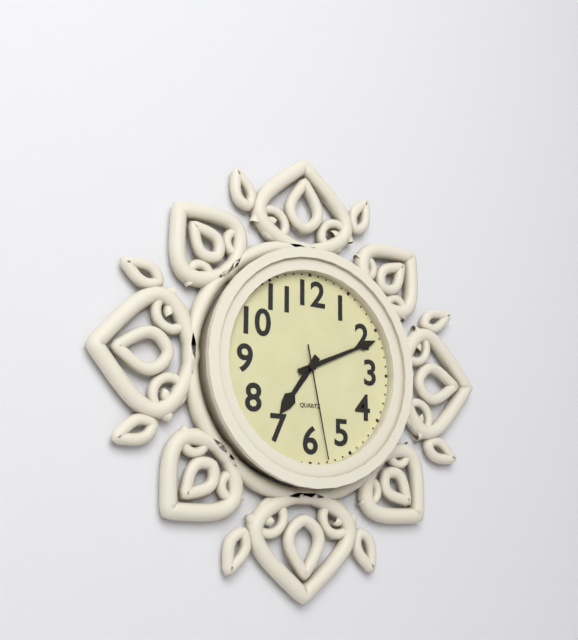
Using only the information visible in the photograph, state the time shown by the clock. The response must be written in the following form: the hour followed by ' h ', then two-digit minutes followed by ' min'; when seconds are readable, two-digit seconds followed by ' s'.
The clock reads 7 h 11 min 28 s
